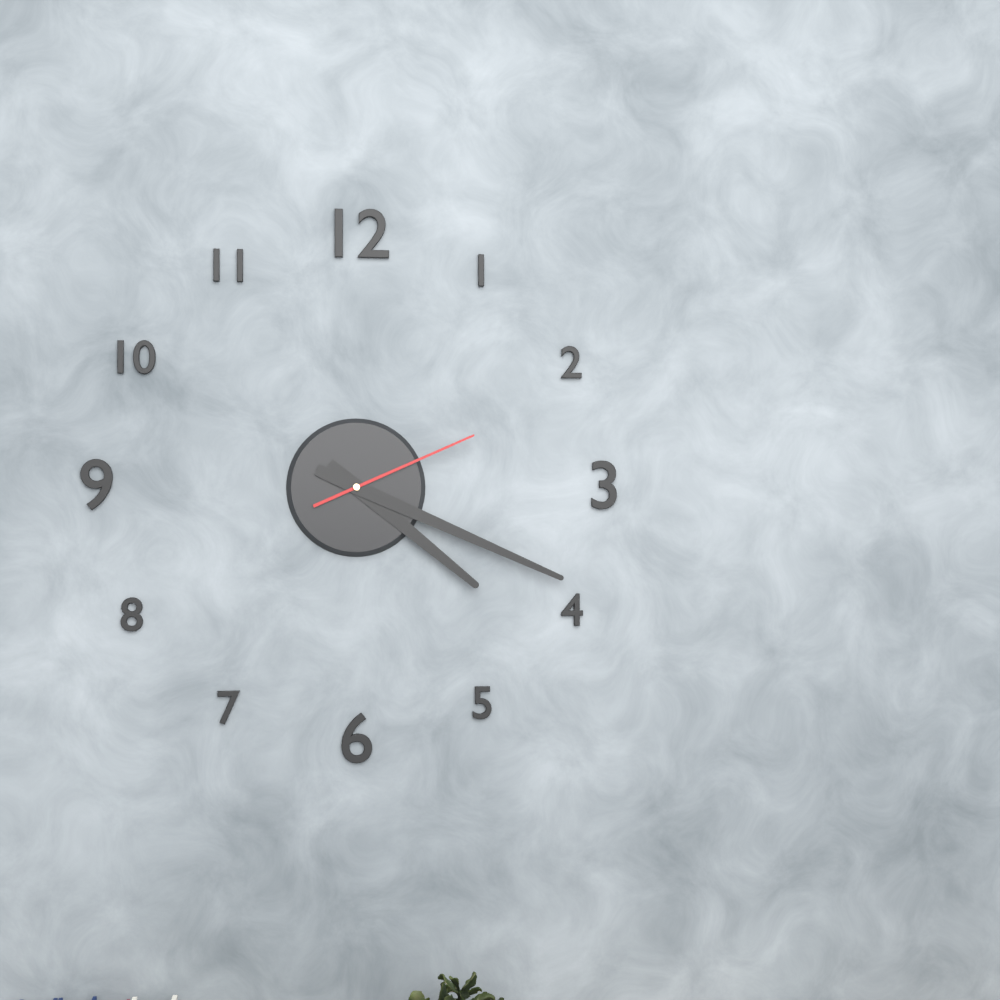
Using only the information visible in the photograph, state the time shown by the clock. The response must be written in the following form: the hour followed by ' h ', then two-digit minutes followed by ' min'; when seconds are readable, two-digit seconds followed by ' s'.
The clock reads 4 h 19 min 11 s
